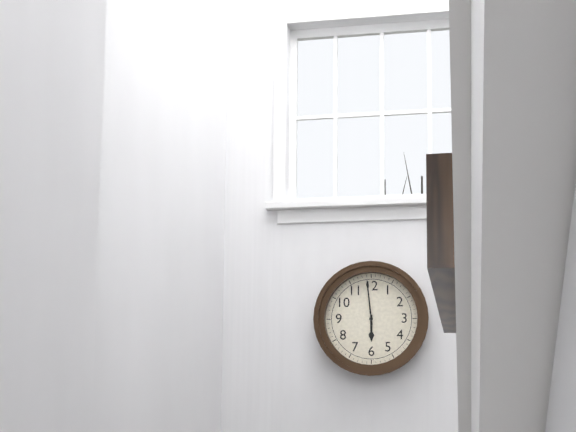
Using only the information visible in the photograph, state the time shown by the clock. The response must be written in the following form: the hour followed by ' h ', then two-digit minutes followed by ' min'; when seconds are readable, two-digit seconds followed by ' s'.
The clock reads 5 h 59 min
